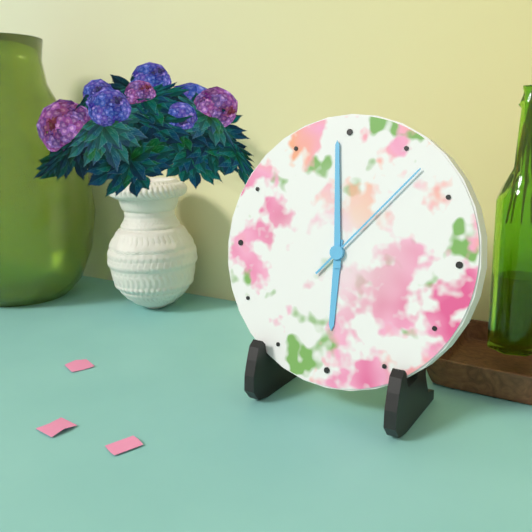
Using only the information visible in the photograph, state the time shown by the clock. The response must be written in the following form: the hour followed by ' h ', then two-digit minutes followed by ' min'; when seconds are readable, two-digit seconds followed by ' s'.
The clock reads 5 h 59 min 07 s
